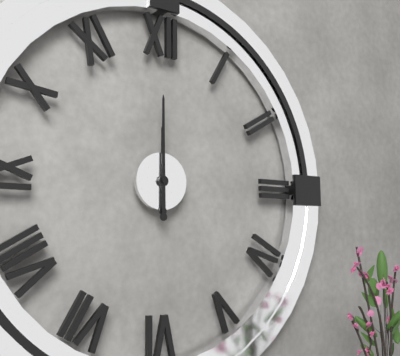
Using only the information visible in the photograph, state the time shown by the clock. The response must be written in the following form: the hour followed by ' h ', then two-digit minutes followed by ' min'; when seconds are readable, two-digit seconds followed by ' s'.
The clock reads 12 h 00 min
